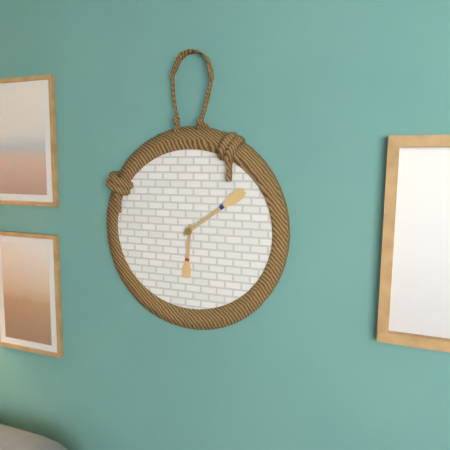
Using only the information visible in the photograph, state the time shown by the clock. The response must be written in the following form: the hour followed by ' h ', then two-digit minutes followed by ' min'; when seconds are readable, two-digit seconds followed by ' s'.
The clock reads 6 h 09 min
